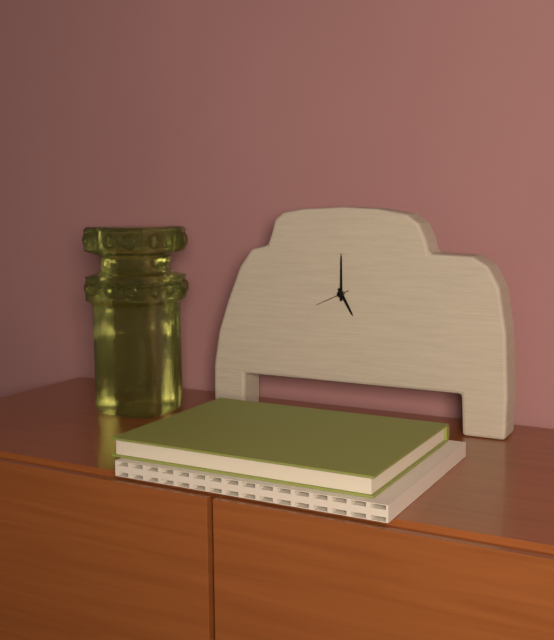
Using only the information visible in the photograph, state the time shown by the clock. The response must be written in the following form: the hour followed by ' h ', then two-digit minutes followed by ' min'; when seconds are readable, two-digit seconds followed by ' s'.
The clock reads 5 h 00 min
